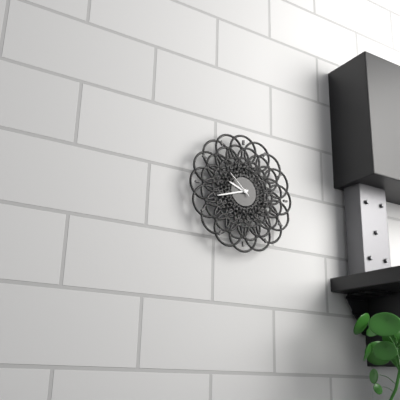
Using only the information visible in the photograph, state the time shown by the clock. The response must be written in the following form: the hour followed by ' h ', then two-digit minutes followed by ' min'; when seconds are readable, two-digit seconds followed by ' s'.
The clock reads 9 h 42 min
